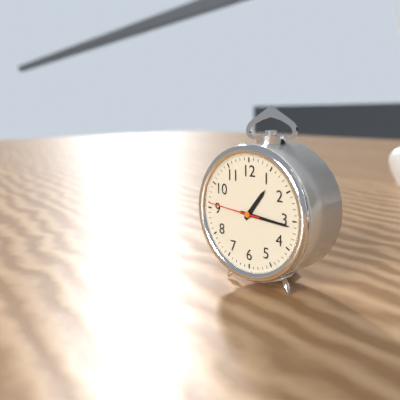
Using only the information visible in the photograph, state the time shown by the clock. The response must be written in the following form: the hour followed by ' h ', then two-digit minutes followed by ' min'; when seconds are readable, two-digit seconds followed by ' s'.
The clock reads 1 h 16 min 46 s
